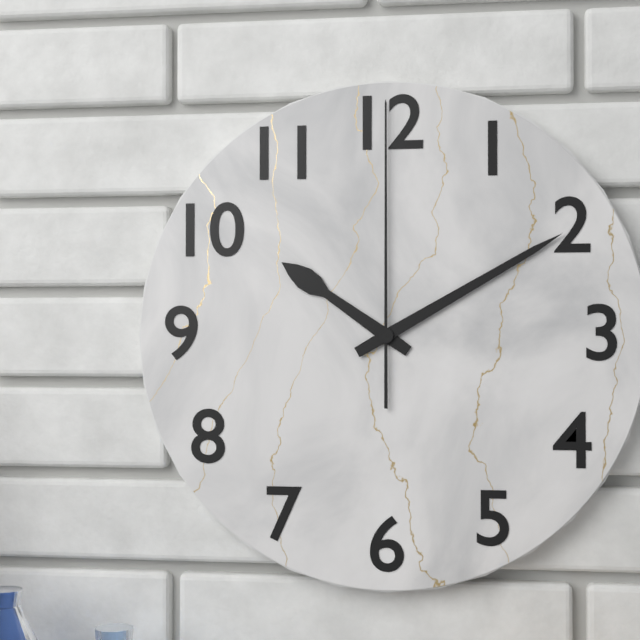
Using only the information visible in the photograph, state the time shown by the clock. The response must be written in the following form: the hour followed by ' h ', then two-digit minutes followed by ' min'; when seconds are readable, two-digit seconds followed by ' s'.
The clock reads 10 h 10 min 00 s
